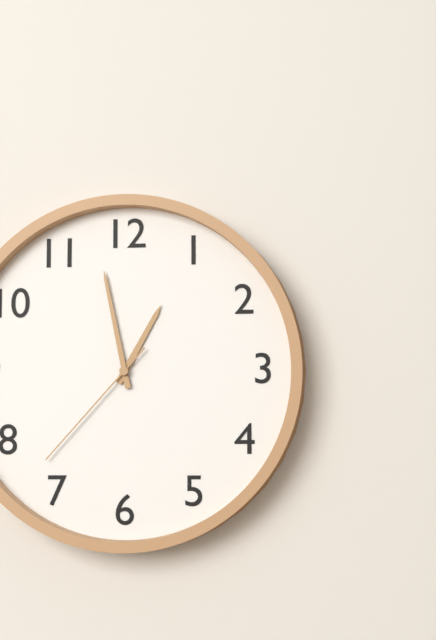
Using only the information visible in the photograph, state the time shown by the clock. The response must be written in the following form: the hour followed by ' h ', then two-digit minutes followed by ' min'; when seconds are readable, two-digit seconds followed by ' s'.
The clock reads 12 h 58 min 37 s
